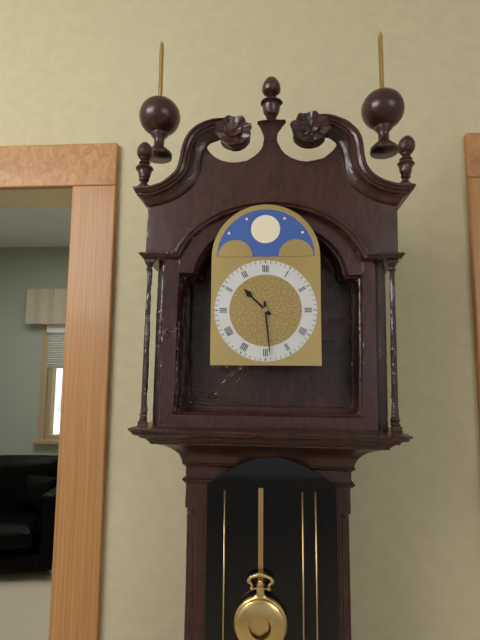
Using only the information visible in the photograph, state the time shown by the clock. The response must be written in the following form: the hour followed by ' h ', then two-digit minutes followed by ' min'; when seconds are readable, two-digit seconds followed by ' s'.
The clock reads 10 h 29 min
